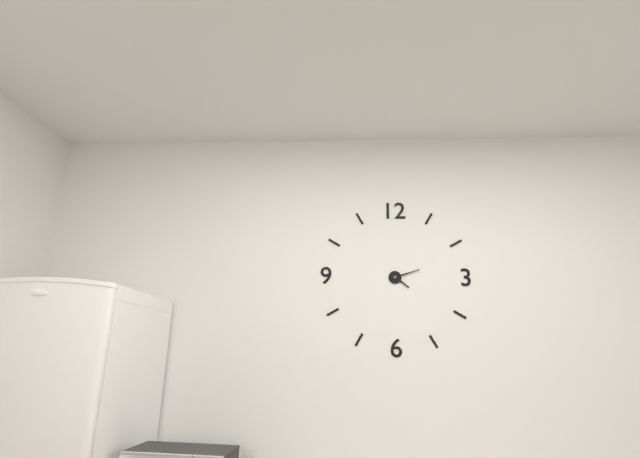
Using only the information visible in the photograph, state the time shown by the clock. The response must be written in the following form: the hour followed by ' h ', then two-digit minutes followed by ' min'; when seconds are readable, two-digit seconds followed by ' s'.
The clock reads 4 h 12 min
